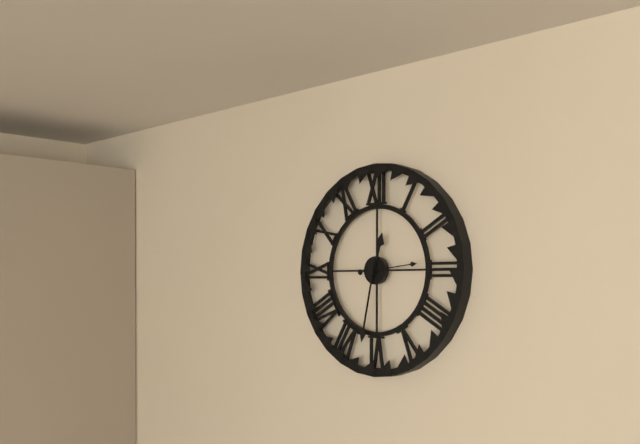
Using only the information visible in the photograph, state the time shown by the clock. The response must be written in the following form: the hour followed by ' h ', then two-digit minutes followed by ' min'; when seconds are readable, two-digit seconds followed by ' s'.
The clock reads 12 h 32 min
